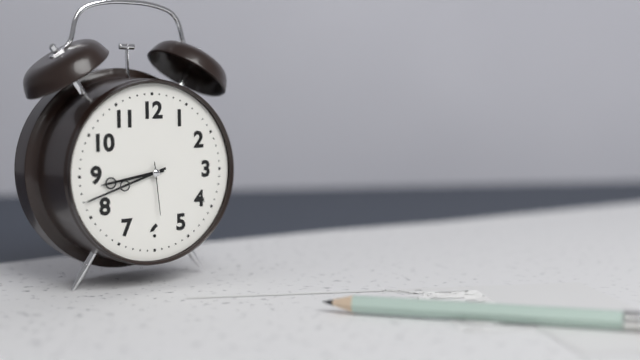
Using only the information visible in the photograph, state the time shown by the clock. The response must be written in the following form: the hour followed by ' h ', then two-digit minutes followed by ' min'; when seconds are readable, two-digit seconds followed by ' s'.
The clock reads 8 h 42 min 29 s
